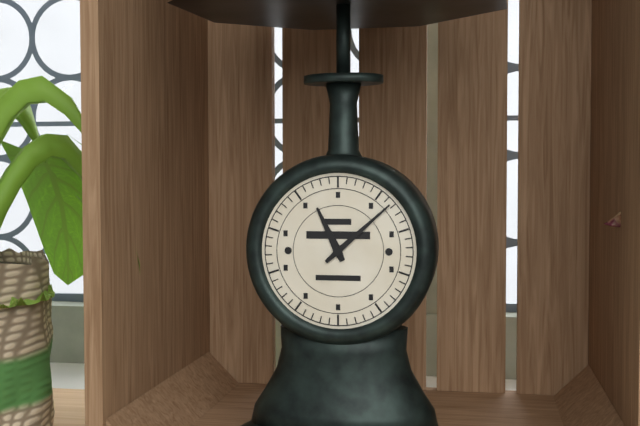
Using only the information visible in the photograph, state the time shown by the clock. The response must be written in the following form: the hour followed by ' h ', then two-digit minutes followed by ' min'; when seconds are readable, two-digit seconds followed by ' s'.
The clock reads 11 h 08 min
